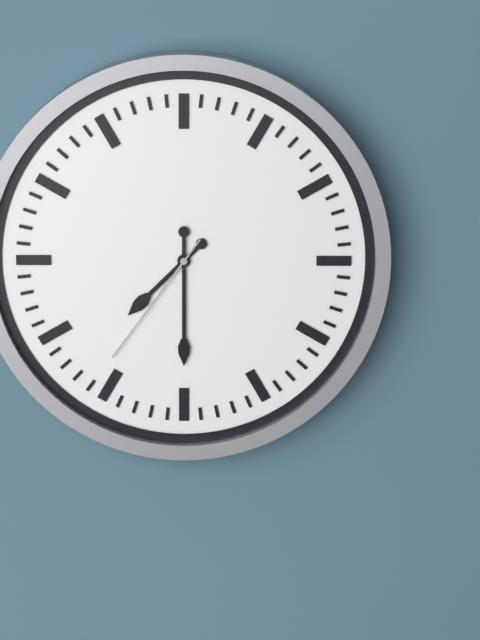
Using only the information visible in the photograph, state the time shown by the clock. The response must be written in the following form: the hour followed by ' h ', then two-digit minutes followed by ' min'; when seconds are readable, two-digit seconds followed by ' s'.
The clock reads 7 h 30 min 36 s
